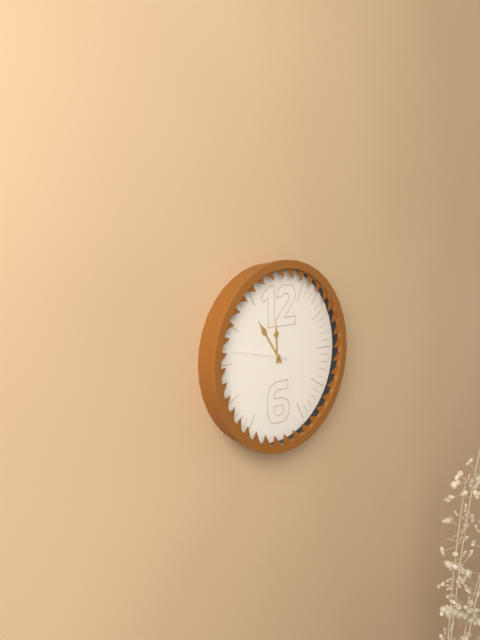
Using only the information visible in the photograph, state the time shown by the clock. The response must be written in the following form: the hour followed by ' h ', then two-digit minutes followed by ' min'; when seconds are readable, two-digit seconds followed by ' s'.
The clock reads 11 h 54 min
